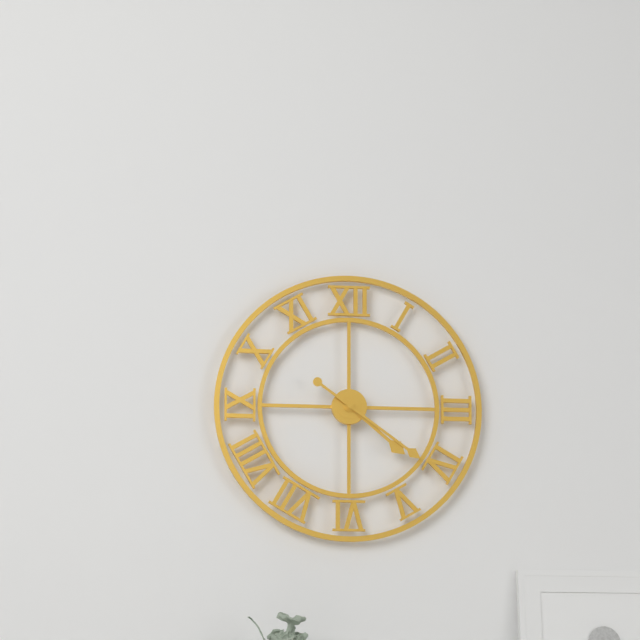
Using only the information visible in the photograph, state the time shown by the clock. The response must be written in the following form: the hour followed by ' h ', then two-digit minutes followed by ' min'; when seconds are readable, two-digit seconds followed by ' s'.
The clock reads 4 h 21 min
